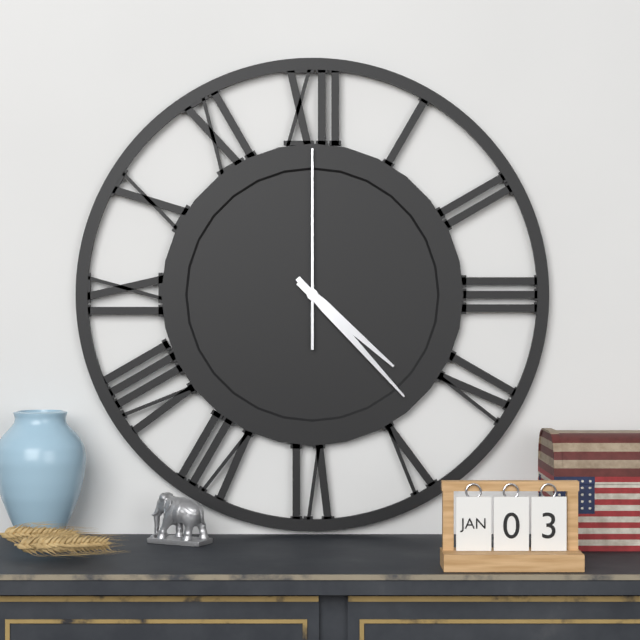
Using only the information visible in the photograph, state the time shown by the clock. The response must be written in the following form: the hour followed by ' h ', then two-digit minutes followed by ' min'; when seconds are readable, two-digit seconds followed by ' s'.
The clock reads 4 h 23 min 00 s
